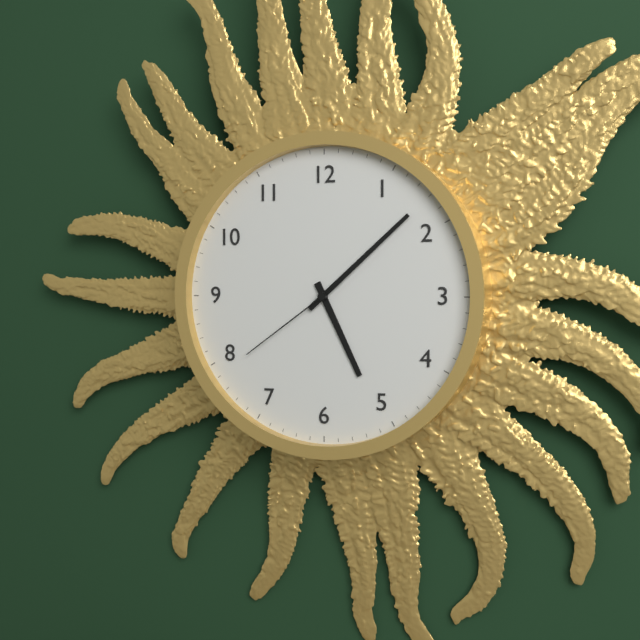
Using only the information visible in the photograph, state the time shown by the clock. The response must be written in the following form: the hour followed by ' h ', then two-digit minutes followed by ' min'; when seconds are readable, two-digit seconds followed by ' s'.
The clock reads 5 h 08 min 39 s
